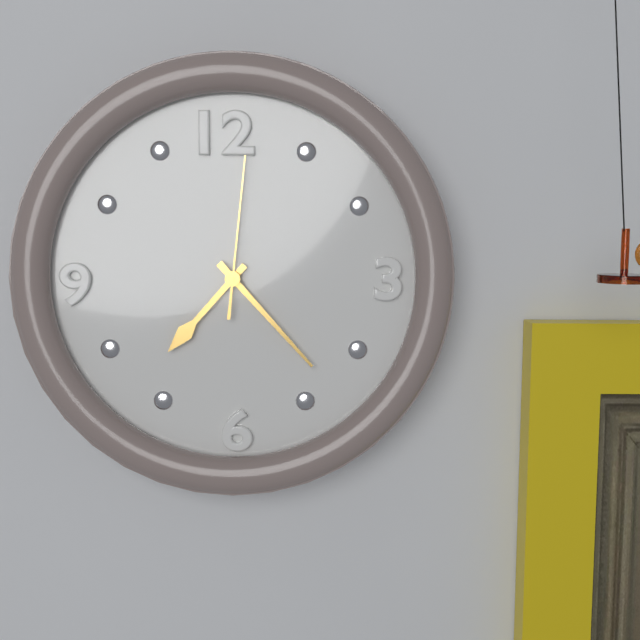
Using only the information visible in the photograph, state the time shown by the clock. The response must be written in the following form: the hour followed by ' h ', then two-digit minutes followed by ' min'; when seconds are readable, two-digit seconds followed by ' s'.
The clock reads 7 h 23 min 01 s
